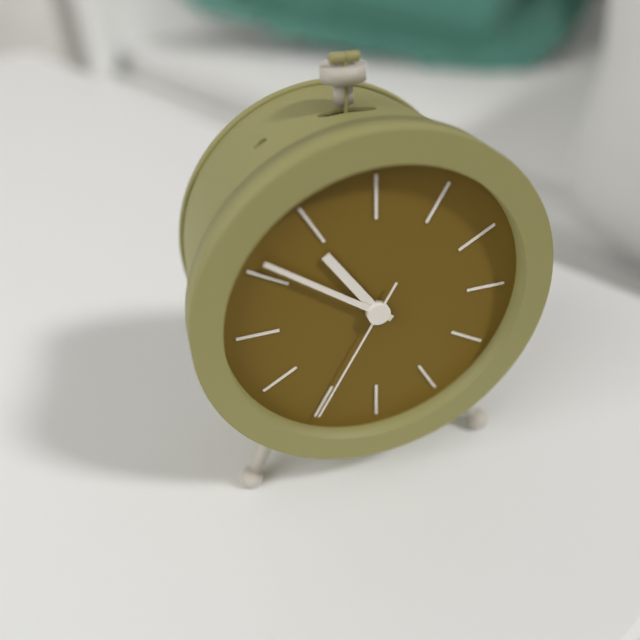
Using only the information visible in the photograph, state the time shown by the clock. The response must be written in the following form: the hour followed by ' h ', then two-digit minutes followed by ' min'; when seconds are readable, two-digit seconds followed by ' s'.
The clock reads 10 h 51 min 35 s
